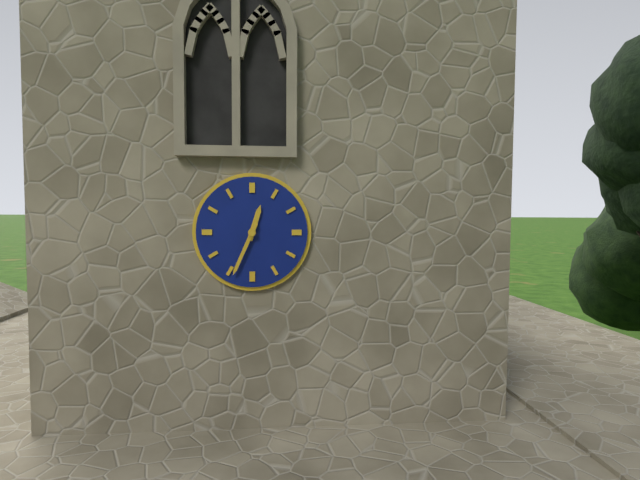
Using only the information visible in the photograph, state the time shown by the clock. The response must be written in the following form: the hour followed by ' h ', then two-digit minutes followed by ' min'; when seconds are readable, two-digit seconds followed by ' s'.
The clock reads 12 h 34 min
